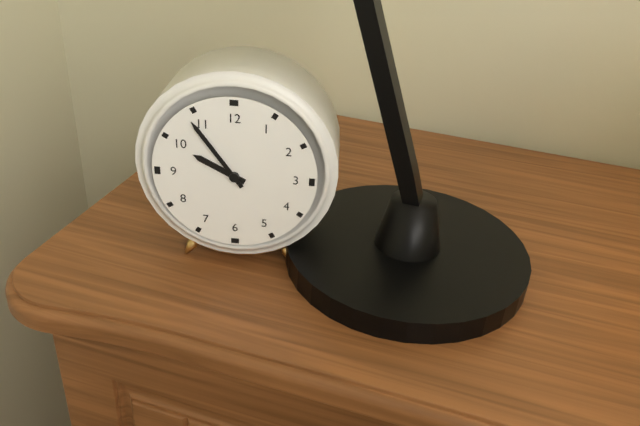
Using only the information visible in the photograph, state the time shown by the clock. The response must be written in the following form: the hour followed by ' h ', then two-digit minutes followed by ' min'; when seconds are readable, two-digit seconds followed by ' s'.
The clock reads 9 h 54 min
